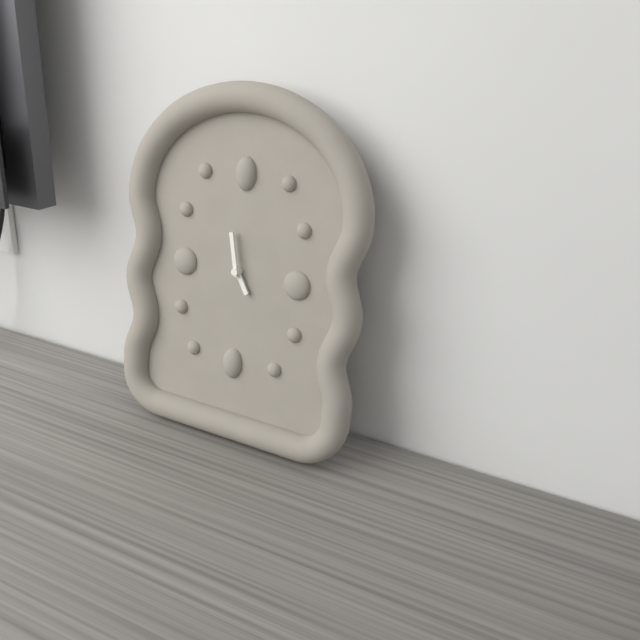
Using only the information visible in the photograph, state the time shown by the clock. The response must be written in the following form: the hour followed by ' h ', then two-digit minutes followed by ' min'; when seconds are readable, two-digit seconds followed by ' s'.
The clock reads 4 h 58 min
